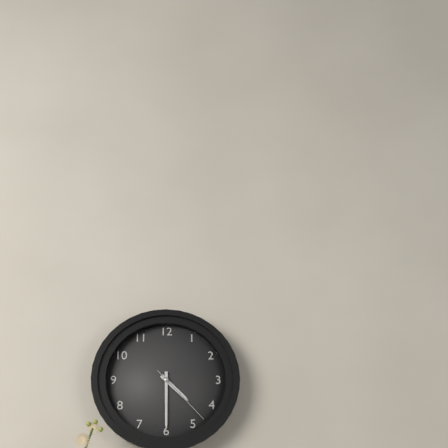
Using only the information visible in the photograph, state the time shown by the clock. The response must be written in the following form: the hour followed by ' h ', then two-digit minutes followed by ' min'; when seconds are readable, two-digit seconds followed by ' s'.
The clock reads 4 h 30 min 23 s
